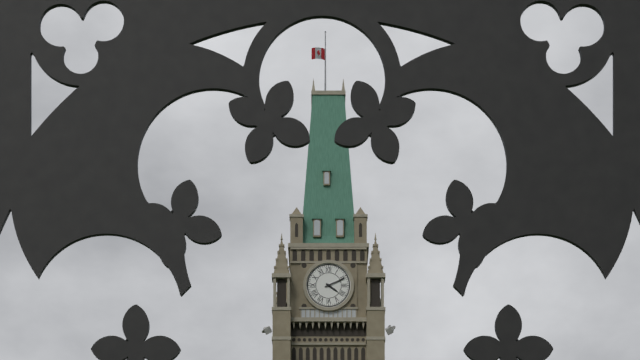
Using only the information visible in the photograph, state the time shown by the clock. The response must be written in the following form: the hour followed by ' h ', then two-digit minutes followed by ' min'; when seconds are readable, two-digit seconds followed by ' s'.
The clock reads 4 h 11 min
